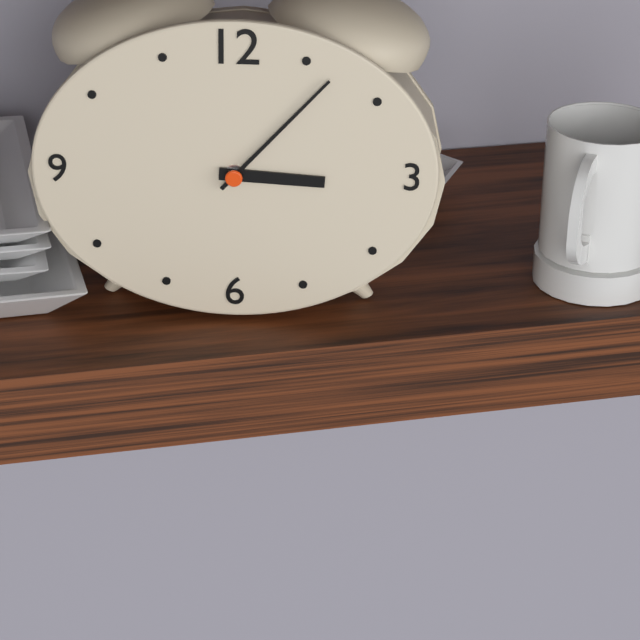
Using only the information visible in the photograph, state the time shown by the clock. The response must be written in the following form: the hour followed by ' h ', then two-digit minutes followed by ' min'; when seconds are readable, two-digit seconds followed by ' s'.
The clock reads 3 h 07 min
